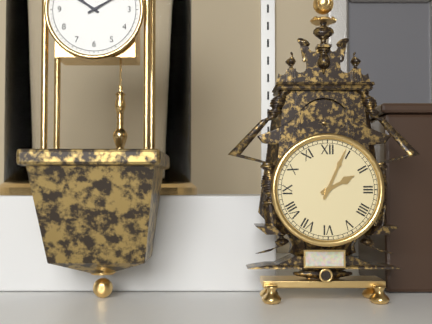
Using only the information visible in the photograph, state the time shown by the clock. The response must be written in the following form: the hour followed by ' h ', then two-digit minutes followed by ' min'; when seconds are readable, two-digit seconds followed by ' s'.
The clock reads 2 h 04 min
